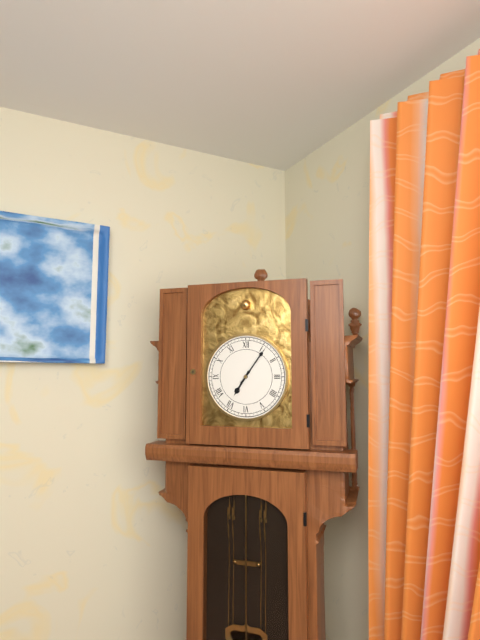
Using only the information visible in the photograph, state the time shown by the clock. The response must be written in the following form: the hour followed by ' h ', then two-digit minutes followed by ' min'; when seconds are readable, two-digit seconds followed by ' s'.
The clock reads 7 h 06 min
